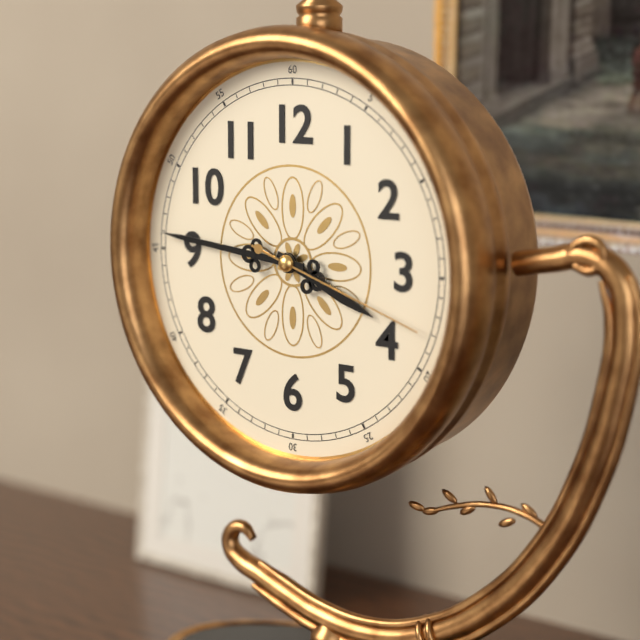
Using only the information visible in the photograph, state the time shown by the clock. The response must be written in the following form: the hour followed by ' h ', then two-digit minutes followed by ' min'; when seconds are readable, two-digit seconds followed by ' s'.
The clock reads 3 h 46 min 18 s
